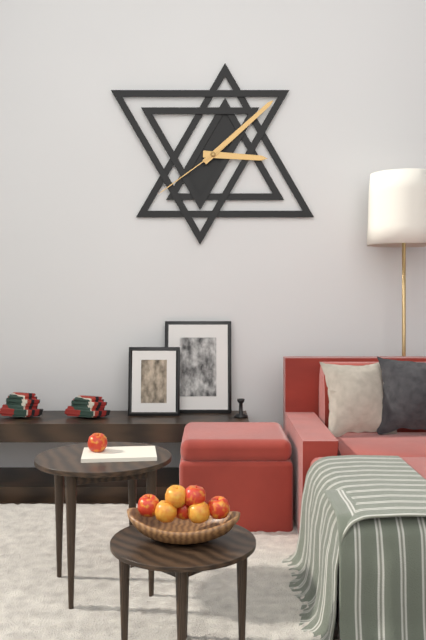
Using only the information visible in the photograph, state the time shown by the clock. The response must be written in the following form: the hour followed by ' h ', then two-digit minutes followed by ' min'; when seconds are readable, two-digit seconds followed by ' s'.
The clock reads 3 h 08 min 39 s
